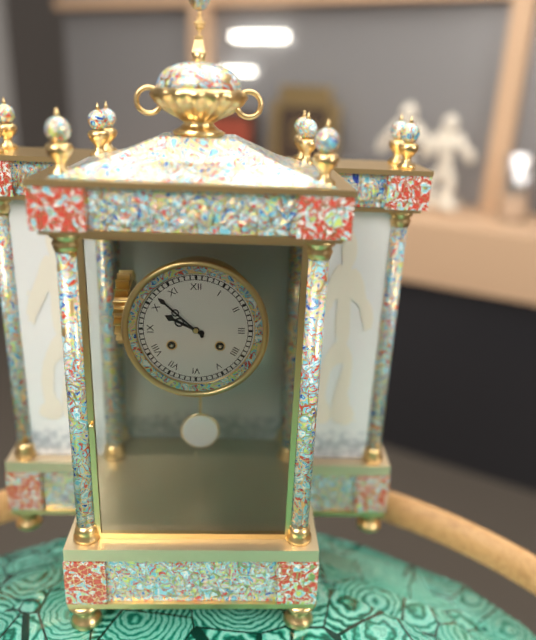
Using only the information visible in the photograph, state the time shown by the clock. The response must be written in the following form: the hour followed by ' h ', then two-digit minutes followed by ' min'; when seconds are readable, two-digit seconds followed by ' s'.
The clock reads 9 h 52 min
